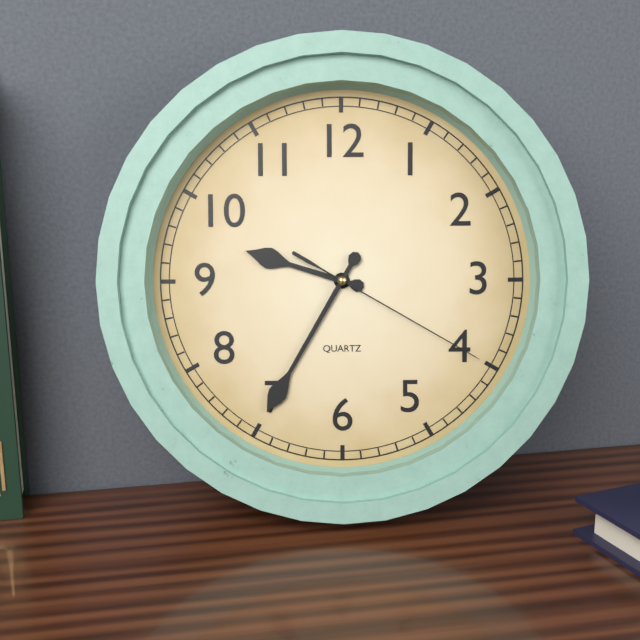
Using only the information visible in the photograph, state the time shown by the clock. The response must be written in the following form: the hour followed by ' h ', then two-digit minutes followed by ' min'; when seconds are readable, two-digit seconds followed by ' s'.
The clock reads 9 h 35 min 20 s
